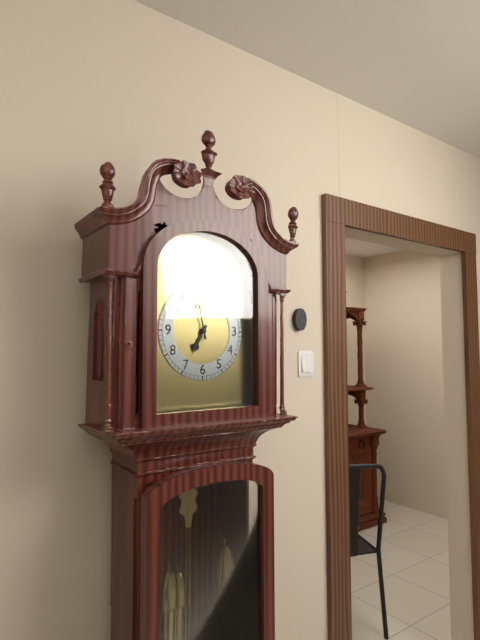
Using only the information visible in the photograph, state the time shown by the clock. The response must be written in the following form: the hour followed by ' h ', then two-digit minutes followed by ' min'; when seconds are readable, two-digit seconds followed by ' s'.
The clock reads 6 h 58 min
